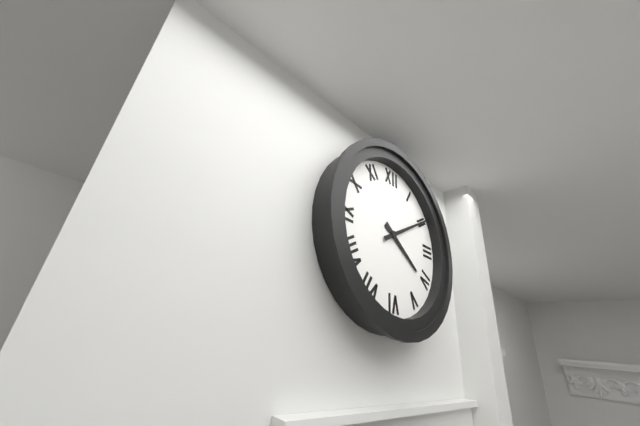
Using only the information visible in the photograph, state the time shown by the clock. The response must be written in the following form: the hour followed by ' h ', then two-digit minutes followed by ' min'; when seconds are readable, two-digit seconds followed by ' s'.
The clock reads 4 h 10 min
